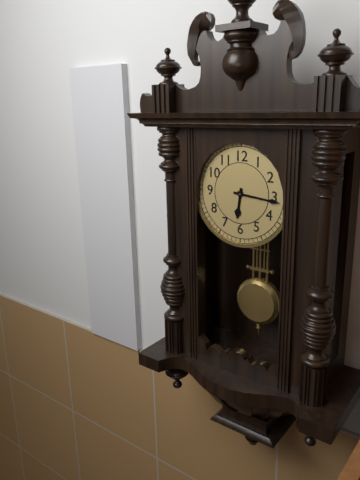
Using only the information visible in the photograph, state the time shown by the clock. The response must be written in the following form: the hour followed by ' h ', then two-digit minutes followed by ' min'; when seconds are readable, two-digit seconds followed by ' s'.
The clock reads 6 h 16 min
